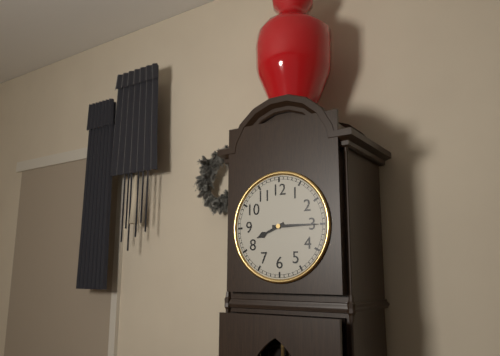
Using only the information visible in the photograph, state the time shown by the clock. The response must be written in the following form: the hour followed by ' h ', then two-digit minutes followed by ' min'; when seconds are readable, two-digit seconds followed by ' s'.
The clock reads 8 h 15 min
